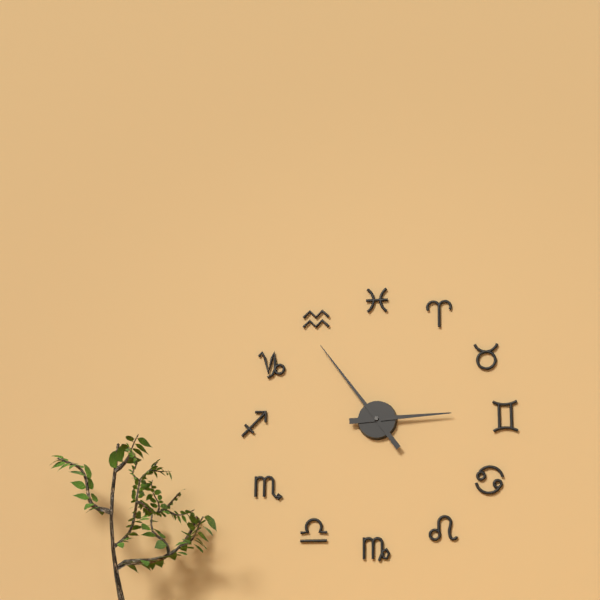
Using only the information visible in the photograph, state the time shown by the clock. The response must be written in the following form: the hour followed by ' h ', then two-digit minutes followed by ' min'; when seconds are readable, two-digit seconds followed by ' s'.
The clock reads 2 h 54 min
